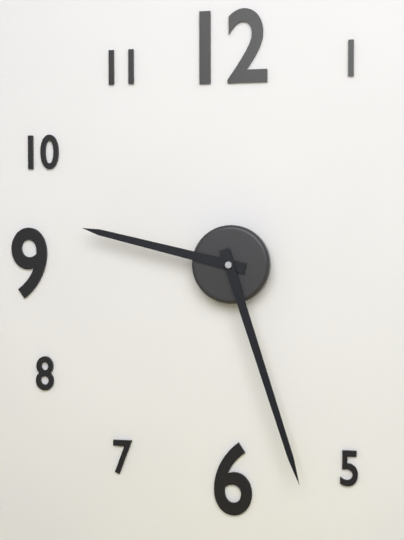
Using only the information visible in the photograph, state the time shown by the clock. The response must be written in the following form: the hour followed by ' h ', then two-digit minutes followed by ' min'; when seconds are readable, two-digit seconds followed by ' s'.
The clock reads 9 h 27 min
